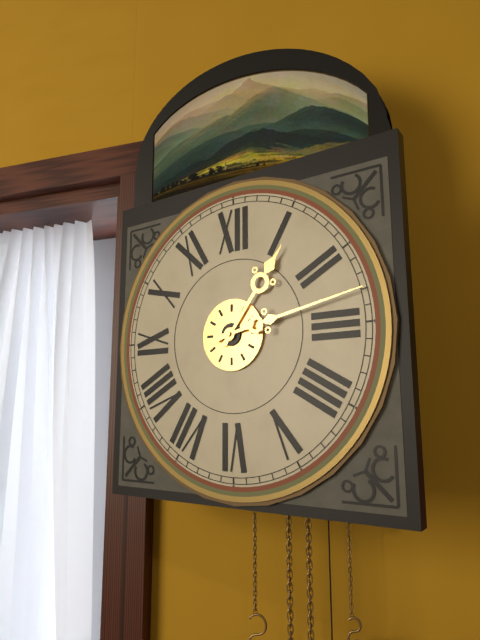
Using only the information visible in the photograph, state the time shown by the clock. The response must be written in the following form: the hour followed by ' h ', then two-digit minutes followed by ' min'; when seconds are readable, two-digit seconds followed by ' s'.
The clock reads 1 h 13 min
